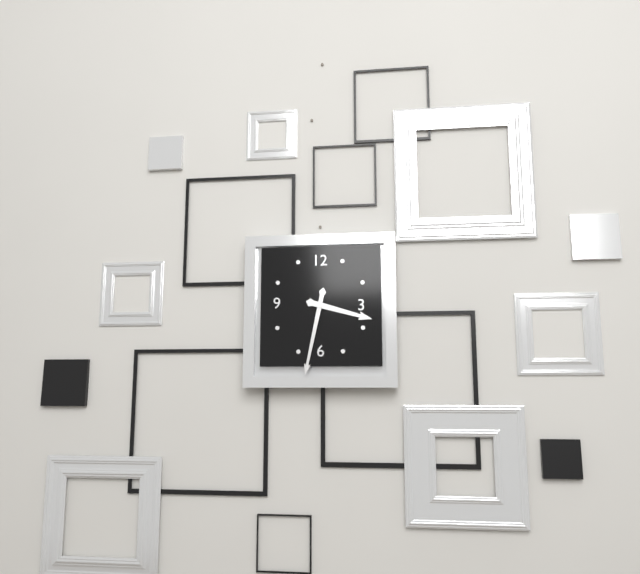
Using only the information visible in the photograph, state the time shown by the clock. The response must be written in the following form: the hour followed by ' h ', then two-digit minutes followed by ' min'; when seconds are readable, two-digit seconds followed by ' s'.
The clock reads 3 h 32 min
